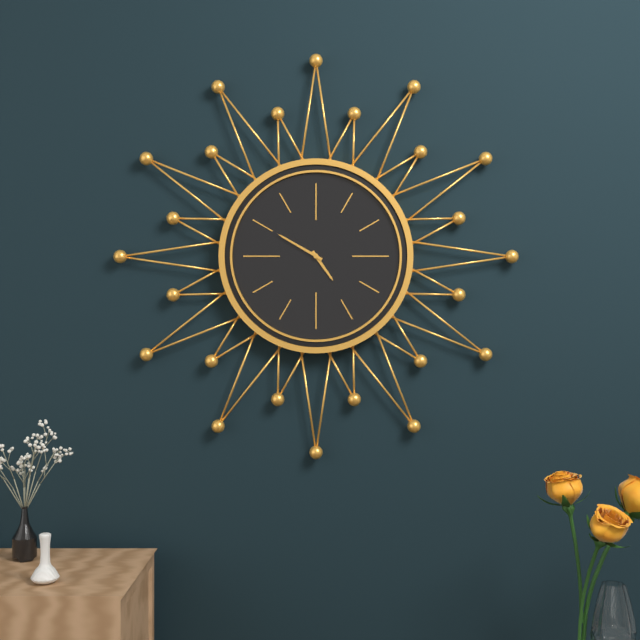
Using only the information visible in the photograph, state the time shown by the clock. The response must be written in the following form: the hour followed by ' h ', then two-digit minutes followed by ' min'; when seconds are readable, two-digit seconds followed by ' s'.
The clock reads 4 h 50 min
